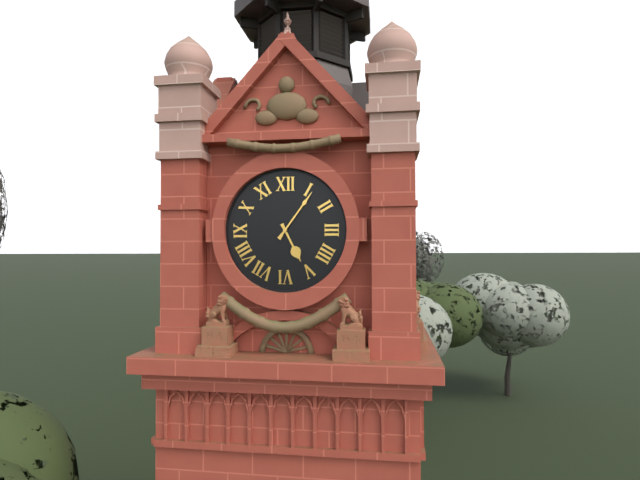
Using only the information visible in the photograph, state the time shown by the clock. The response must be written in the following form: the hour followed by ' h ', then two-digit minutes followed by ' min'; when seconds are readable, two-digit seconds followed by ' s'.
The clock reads 5 h 06 min
